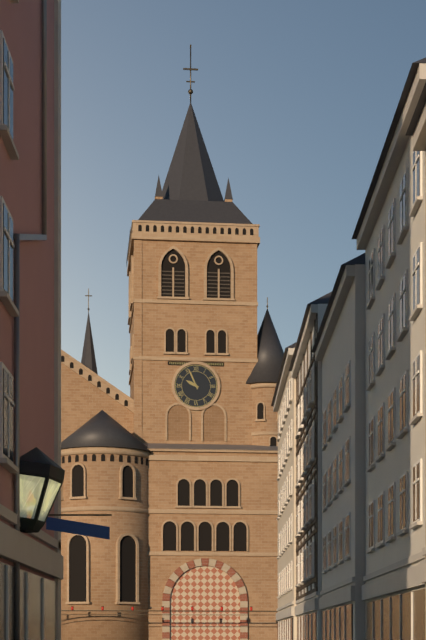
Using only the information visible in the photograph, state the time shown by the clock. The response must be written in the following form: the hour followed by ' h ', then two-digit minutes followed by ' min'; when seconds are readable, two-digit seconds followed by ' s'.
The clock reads 9 h 56 min
